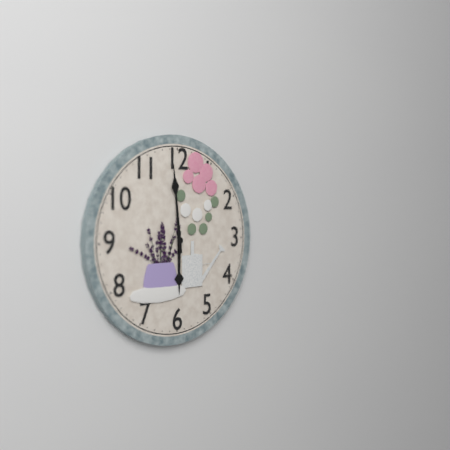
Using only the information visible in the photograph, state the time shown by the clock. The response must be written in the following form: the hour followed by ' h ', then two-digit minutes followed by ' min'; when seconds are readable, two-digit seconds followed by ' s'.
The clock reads 5 h 59 min
